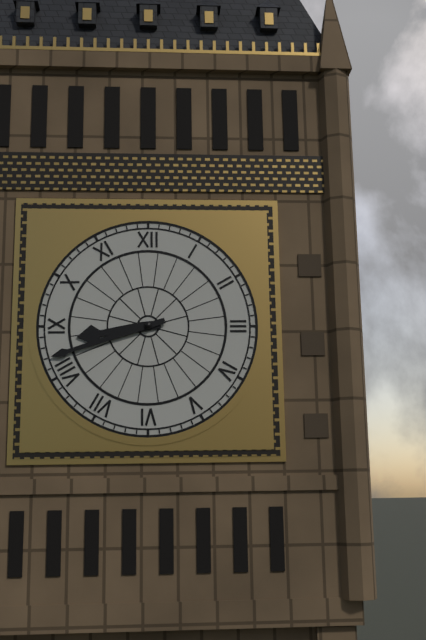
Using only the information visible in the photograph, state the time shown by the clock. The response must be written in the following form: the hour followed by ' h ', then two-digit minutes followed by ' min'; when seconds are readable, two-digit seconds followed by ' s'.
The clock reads 8 h 42 min
